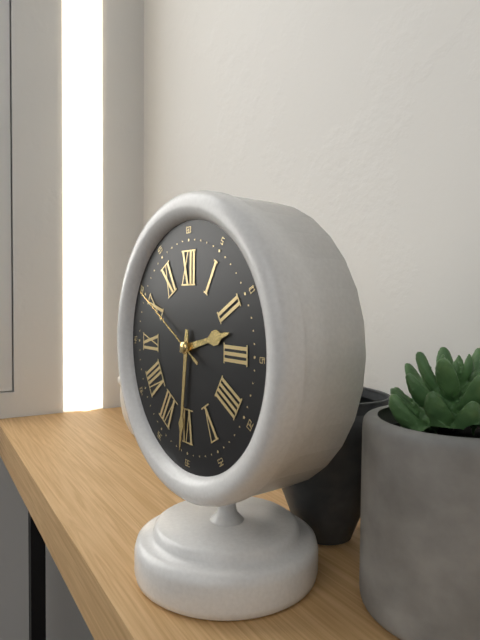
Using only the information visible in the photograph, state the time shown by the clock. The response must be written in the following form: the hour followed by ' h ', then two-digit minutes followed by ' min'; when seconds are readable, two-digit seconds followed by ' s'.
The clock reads 2 h 31 min 50 s
